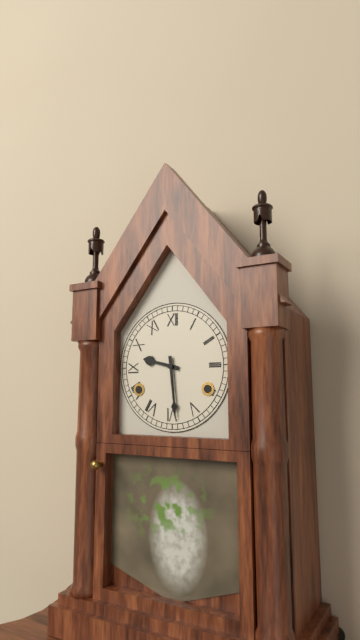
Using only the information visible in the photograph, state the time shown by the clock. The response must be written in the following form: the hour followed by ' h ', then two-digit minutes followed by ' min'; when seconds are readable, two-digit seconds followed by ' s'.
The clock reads 9 h 29 min
